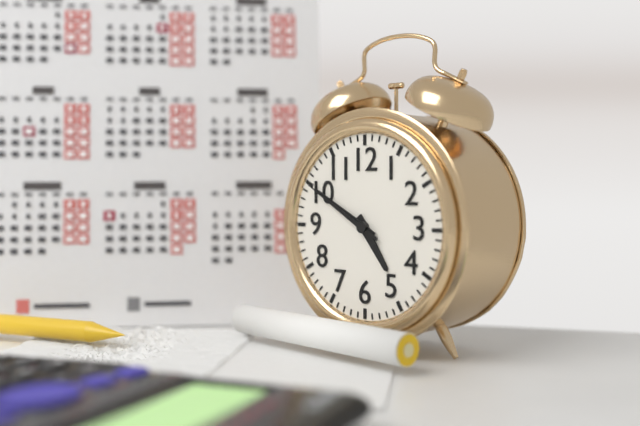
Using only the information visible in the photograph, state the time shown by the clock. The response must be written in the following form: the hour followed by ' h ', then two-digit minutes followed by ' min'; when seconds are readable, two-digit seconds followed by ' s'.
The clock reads 4 h 50 min 50 s
